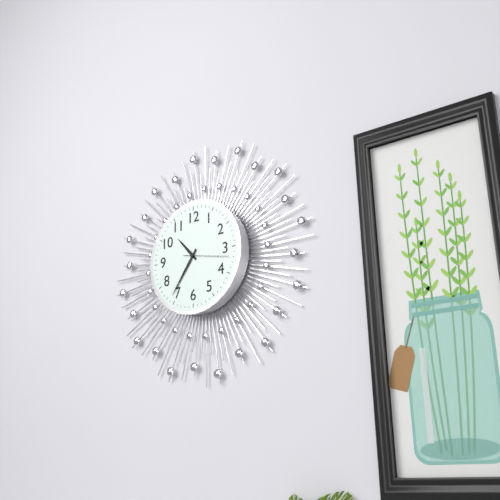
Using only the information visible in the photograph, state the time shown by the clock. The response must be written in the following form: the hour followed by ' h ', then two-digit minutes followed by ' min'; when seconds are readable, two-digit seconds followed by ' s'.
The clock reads 10 h 36 min
